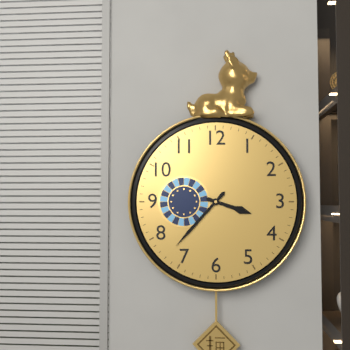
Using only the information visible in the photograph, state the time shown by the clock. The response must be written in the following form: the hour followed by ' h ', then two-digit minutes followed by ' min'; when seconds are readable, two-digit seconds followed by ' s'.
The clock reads 3 h 37 min
